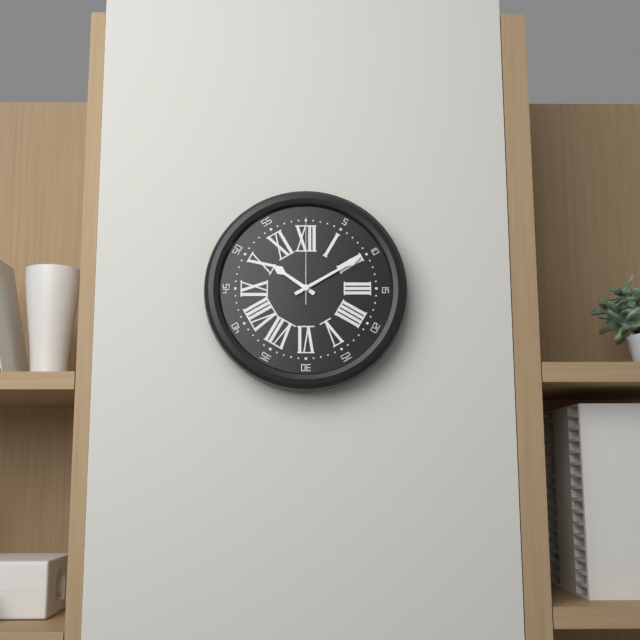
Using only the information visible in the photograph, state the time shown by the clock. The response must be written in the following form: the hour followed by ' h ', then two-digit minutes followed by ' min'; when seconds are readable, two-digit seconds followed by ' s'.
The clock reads 10 h 10 min 00 s
